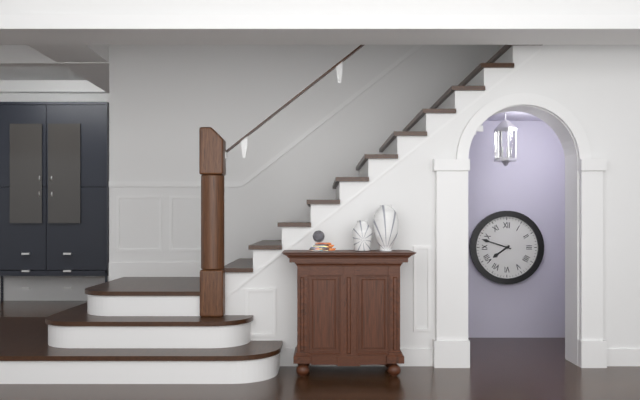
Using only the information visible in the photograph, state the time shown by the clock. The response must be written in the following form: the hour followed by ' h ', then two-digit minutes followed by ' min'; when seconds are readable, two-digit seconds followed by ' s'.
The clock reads 7 h 48 min
